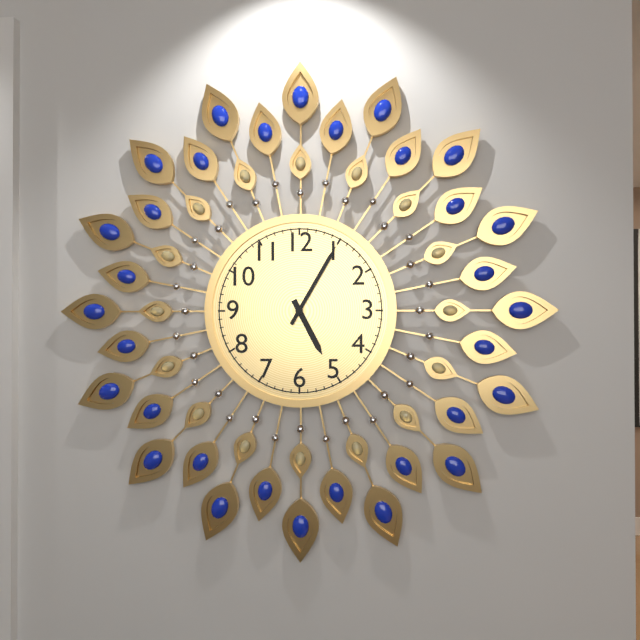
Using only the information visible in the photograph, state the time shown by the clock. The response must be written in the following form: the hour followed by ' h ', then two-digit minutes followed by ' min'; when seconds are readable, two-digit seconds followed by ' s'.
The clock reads 5 h 05 min
